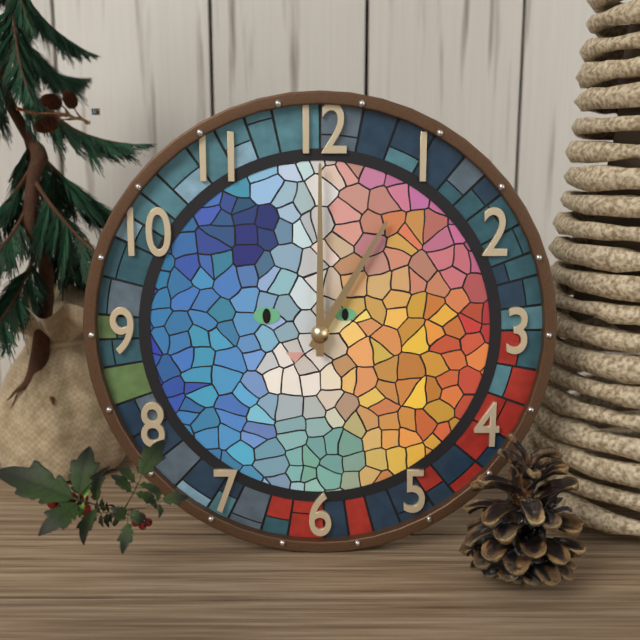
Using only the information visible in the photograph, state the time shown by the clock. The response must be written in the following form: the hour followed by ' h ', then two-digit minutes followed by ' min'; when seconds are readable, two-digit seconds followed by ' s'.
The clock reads 1 h 00 min
